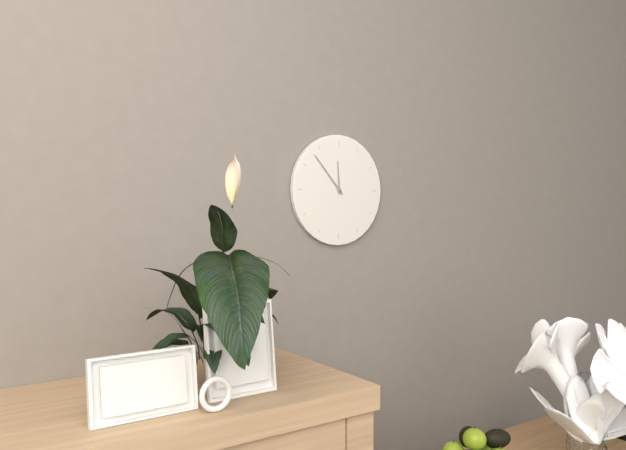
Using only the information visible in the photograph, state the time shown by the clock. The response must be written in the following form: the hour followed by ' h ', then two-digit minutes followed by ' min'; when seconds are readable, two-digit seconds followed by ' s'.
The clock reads 11 h 53 min
